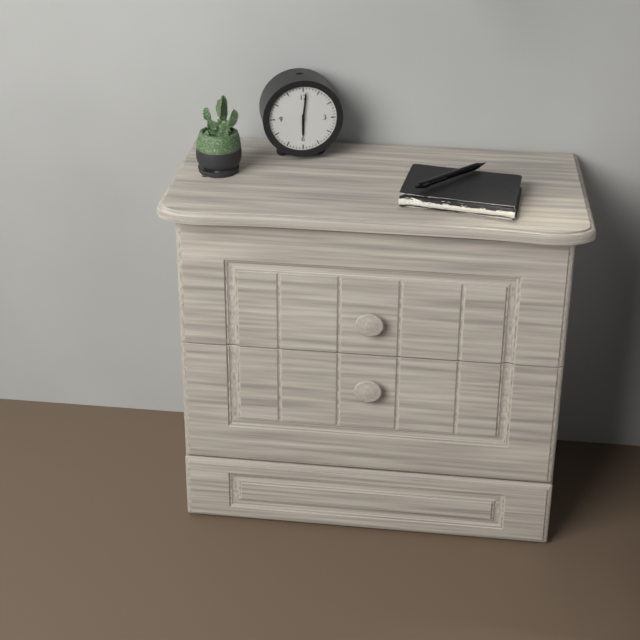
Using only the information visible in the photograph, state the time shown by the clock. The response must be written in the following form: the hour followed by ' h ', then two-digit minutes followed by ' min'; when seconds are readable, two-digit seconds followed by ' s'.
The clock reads 6 h 01 min
